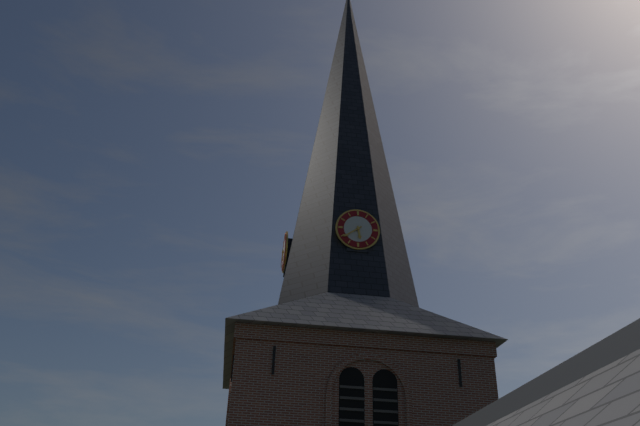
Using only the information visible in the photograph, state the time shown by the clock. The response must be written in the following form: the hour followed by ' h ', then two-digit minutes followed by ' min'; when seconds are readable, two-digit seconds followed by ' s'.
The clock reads 5 h 39 min
